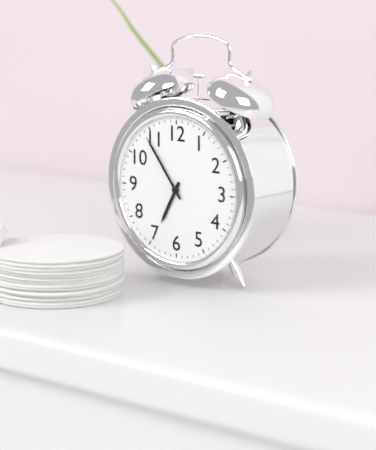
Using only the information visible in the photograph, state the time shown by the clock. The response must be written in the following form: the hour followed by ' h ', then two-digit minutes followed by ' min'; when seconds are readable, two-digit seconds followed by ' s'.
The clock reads 6 h 54 min
